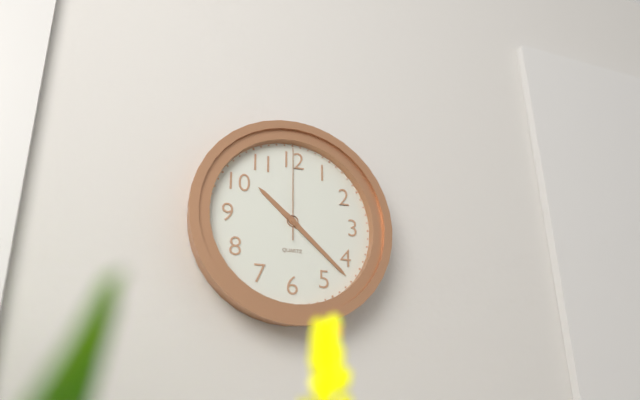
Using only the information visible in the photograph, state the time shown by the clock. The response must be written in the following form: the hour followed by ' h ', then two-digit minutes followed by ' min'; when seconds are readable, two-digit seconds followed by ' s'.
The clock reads 10 h 22 min 00 s
